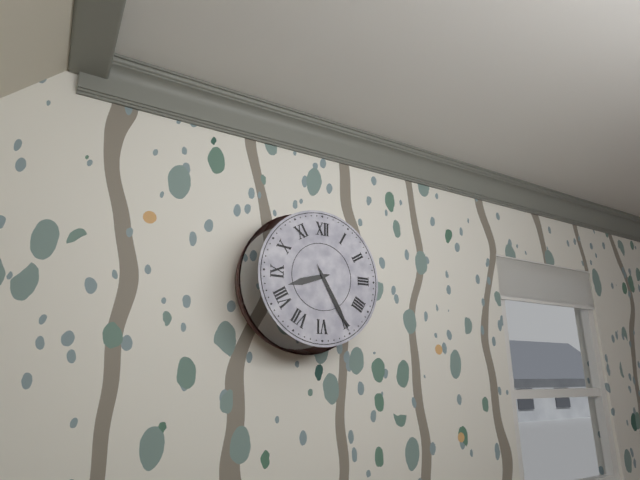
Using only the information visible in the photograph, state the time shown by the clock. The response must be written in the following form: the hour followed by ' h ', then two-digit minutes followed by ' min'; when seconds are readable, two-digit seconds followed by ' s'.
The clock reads 8 h 25 min
